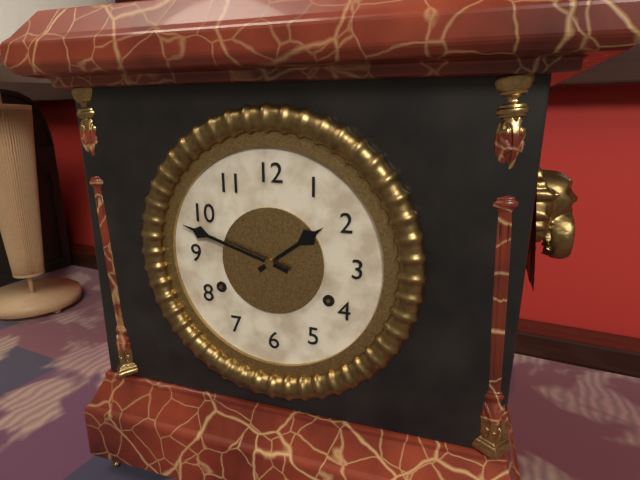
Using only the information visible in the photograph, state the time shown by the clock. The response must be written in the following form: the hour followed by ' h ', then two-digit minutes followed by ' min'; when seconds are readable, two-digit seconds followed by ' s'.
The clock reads 1 h 48 min
